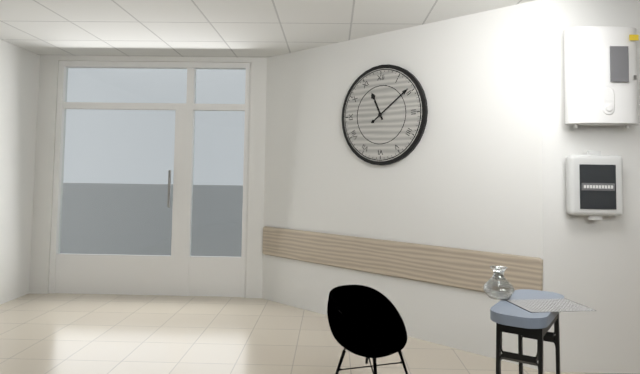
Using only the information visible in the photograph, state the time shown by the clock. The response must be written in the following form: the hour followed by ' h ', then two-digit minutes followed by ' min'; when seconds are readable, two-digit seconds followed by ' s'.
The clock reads 11 h 09 min
